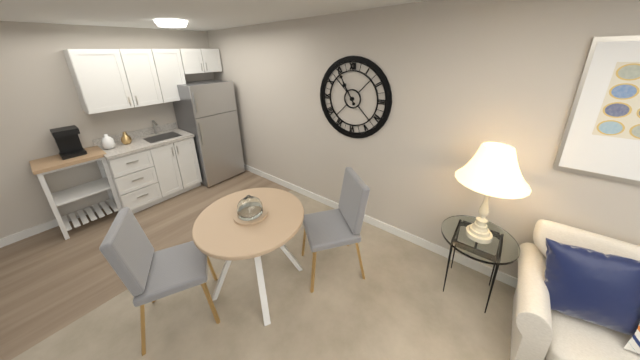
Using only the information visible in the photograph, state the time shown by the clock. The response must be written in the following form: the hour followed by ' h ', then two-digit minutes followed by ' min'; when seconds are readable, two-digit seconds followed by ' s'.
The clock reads 10 h 55 min
